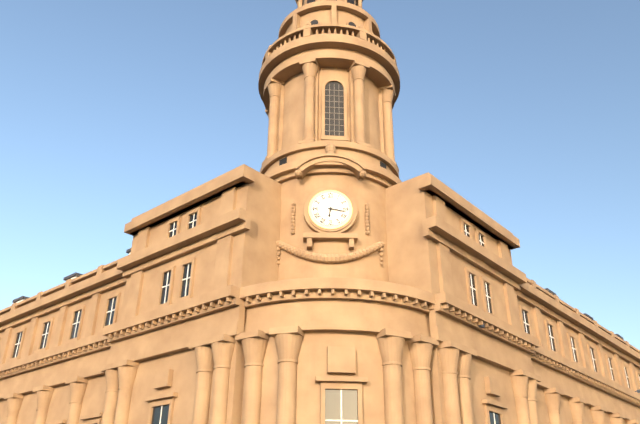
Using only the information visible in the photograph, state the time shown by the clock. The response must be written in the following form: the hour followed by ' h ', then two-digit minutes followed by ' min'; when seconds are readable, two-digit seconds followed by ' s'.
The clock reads 6 h 17 min
